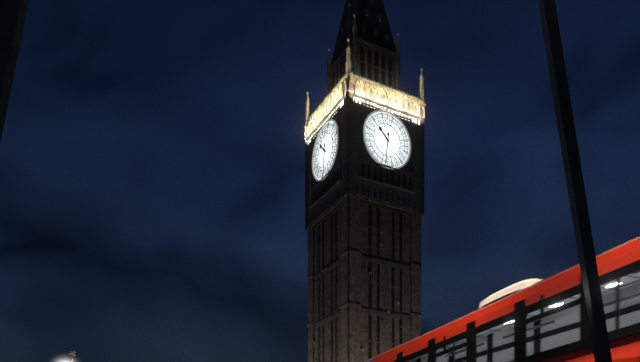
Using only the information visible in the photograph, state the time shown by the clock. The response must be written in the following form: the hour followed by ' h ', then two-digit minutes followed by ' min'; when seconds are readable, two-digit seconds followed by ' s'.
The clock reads 10 h 31 min
